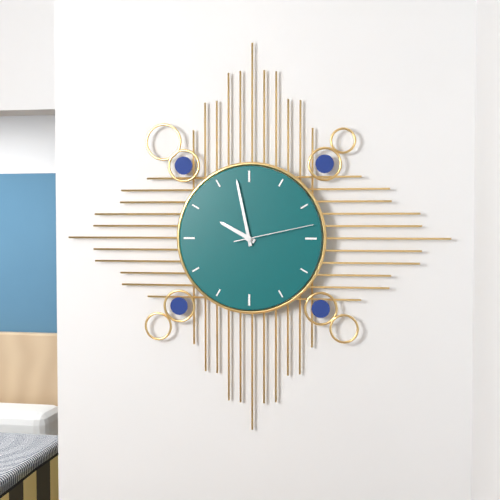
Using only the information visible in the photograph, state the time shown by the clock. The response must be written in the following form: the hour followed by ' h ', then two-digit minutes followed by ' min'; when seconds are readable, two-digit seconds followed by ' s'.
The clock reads 9 h 58 min 13 s
